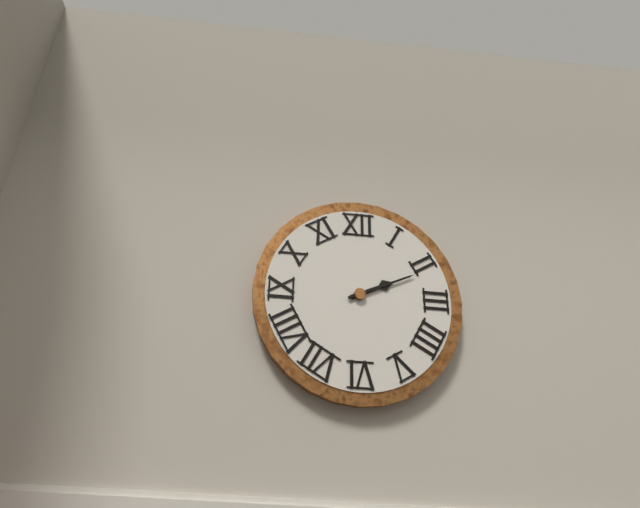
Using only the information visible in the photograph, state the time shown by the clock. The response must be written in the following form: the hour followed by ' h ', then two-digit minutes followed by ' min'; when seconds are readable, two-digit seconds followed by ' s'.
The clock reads 2 h 11 min
